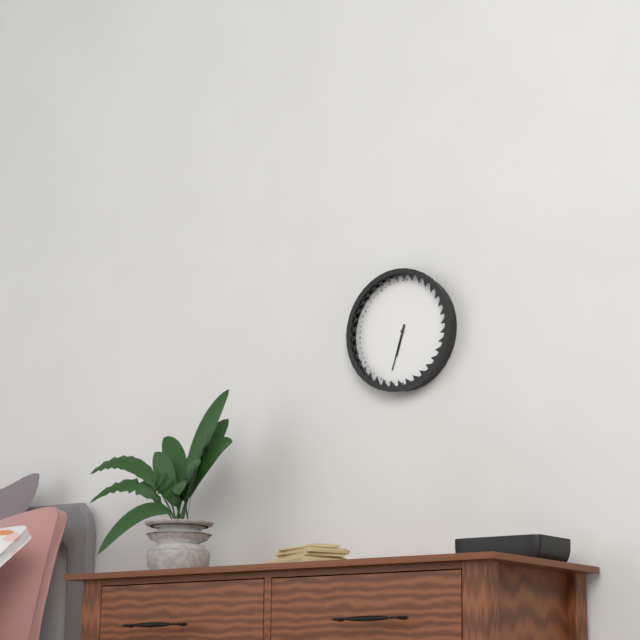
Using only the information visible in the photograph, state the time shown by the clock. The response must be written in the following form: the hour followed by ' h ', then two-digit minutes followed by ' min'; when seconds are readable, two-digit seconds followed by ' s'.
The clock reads 6 h 33 min
